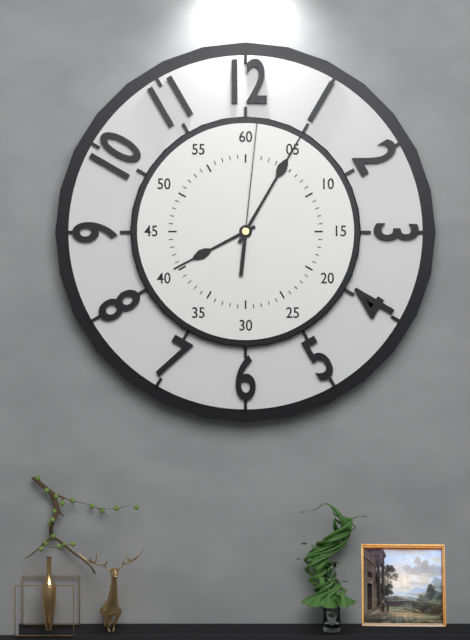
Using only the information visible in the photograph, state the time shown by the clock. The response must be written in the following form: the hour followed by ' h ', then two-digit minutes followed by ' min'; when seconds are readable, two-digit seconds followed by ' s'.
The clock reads 8 h 05 min 01 s
